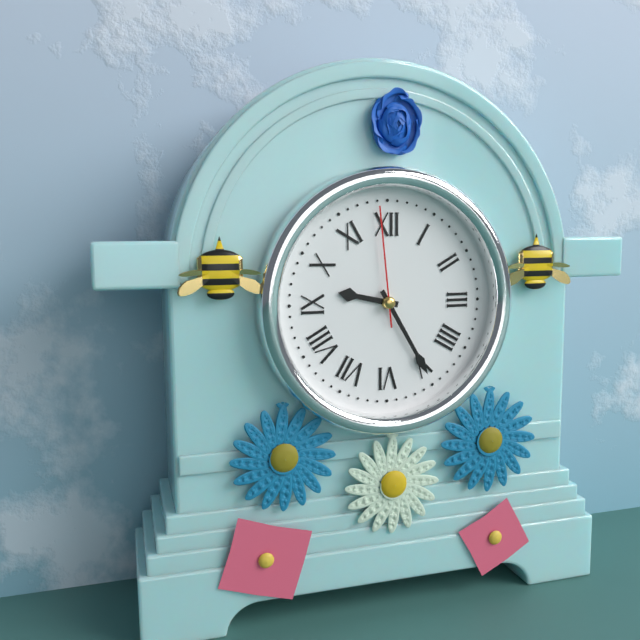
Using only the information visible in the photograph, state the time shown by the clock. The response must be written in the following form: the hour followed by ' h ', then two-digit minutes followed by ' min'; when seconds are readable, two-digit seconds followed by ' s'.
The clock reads 9 h 25 min 59 s
